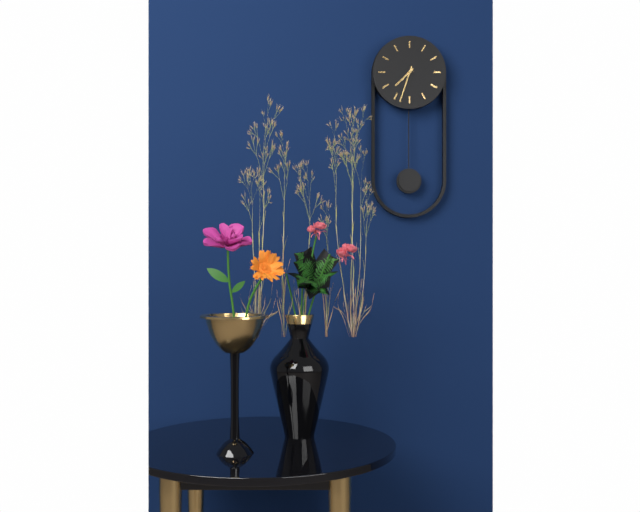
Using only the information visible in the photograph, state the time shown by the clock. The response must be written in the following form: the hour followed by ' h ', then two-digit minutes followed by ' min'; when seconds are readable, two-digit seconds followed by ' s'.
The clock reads 7 h 33 min
